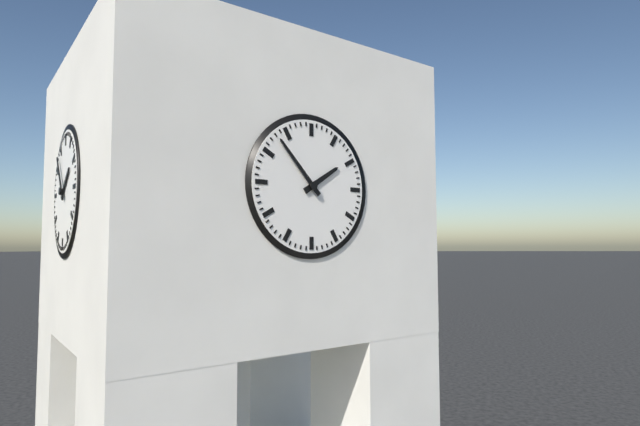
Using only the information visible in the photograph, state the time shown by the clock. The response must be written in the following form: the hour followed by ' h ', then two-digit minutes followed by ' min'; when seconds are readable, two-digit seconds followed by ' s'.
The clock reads 1 h 53 min
